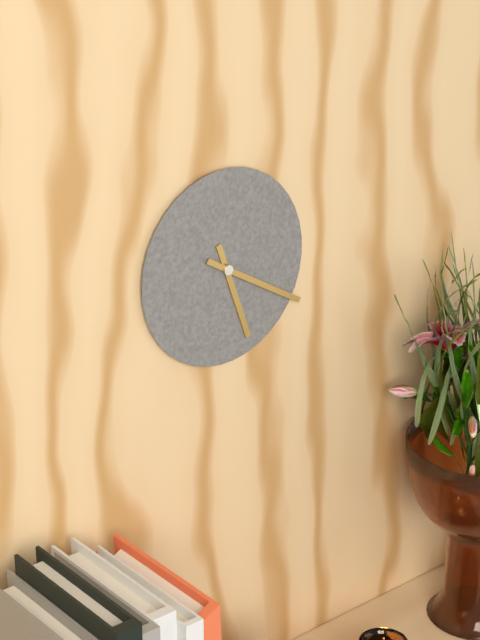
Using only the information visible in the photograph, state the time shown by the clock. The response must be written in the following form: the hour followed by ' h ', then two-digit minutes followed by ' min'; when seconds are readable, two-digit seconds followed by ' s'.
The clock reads 5 h 20 min
